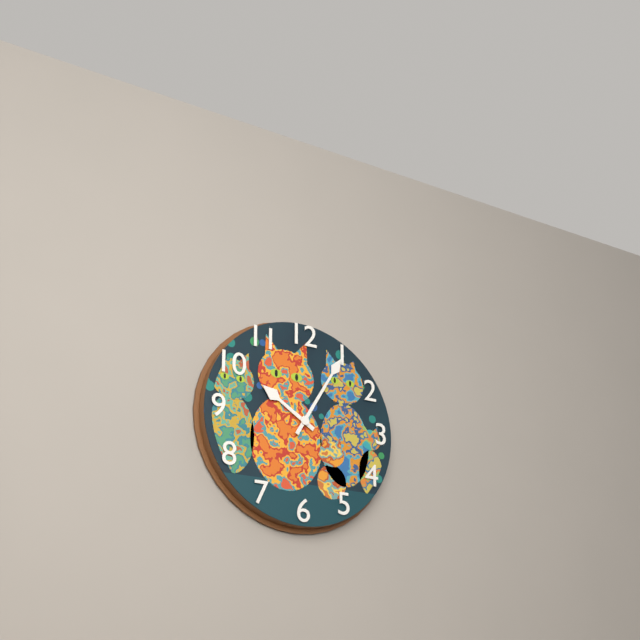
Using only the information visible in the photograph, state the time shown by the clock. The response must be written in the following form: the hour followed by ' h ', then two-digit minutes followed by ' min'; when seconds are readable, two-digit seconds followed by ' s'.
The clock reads 10 h 05 min
